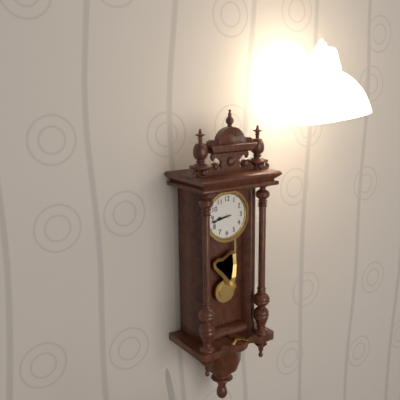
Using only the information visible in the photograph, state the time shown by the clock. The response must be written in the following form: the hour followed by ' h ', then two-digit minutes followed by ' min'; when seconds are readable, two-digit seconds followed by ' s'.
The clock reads 8 h 43 min
